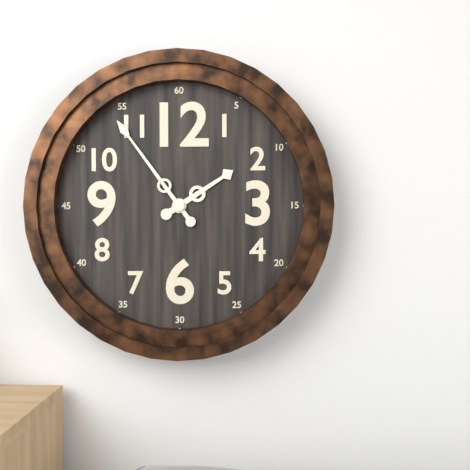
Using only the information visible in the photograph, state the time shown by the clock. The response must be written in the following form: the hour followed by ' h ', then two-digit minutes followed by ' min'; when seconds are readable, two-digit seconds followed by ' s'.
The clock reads 1 h 54 min
